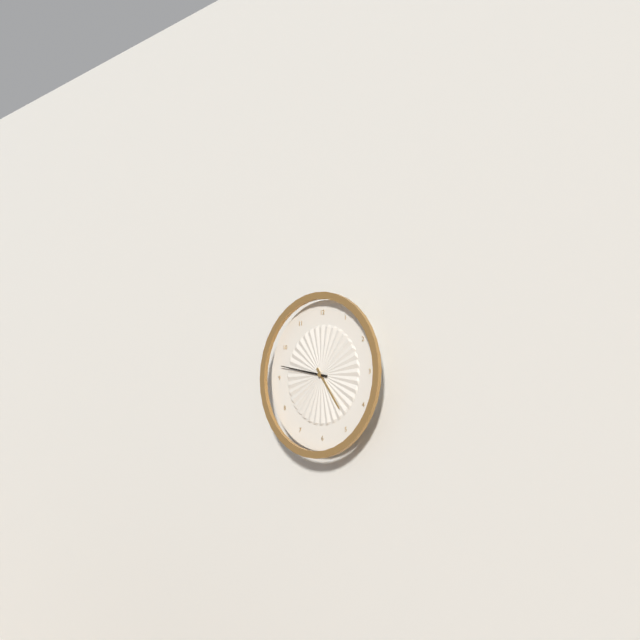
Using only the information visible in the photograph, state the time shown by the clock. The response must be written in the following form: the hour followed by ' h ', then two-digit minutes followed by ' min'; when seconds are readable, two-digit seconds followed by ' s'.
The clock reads 4 h 47 min
